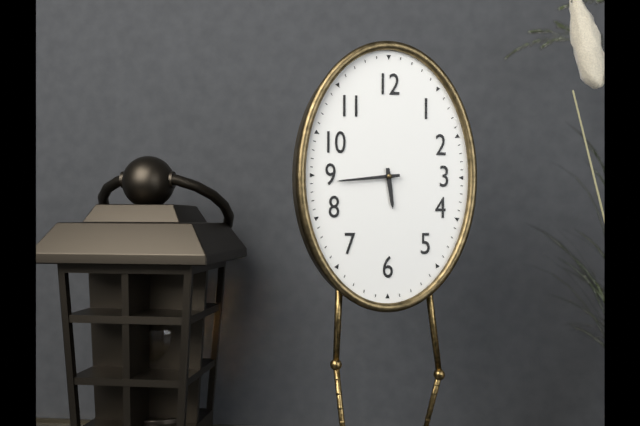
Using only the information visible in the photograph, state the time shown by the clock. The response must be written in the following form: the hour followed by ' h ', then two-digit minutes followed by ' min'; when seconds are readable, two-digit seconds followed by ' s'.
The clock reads 5 h 44 min
